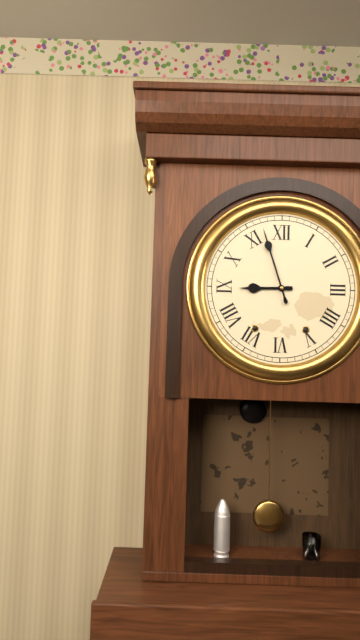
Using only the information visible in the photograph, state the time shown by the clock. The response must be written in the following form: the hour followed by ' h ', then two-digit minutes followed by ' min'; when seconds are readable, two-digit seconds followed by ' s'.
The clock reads 8 h 57 min
